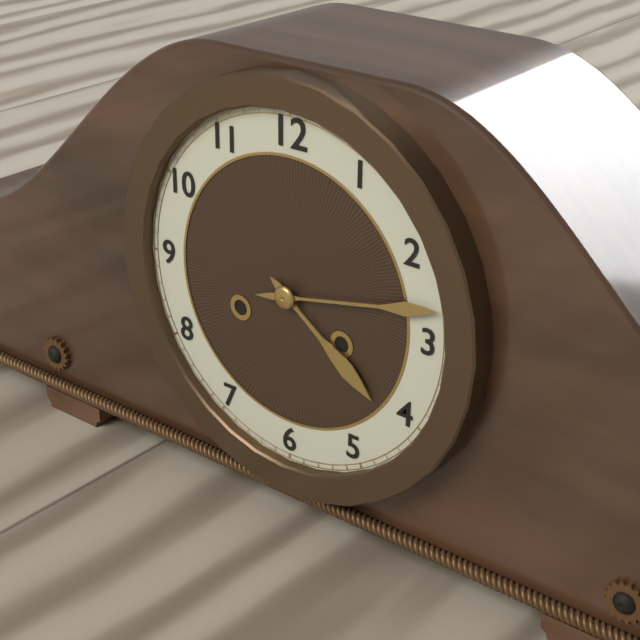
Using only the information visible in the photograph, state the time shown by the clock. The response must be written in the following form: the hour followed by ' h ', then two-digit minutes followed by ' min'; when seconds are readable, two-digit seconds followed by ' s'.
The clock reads 4 h 13 min
